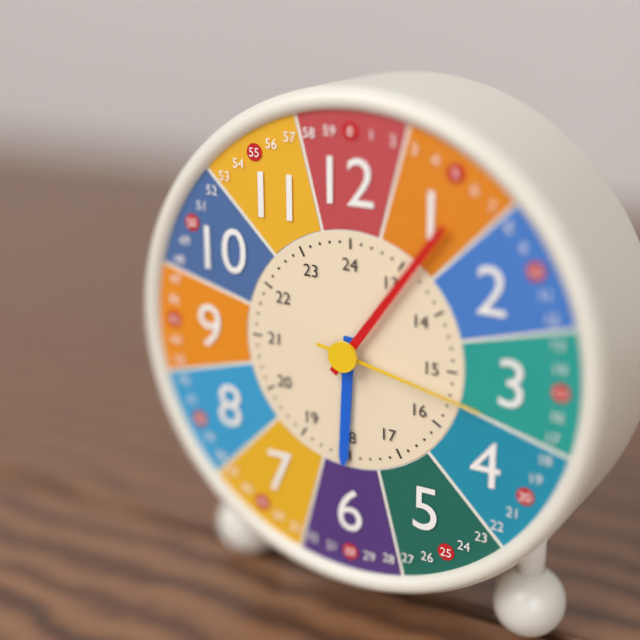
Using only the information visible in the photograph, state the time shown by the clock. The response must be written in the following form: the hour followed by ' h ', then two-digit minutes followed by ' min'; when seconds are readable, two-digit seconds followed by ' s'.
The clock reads 6 h 06 min 17 s
